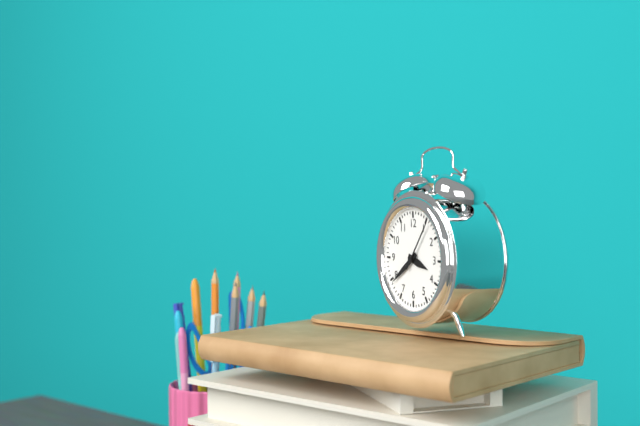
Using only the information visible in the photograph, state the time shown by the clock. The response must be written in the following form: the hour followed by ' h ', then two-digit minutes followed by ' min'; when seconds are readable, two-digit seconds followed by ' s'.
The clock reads 3 h 39 min 06 s
